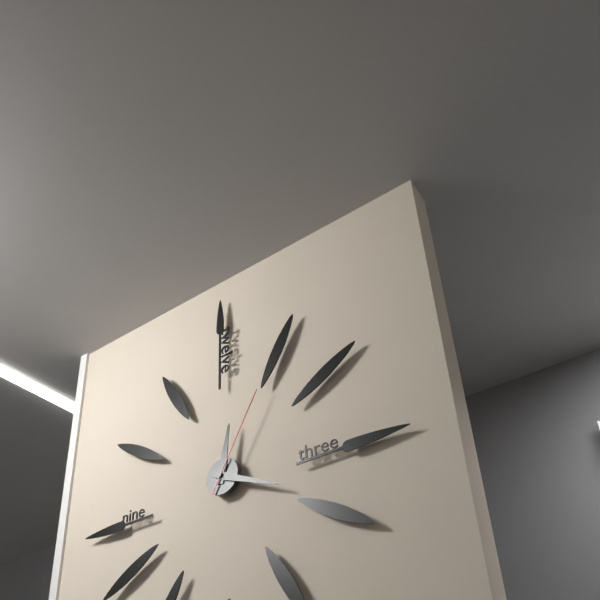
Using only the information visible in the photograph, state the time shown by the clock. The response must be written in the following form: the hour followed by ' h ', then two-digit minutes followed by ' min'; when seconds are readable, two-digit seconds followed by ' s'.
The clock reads 12 h 19 min 05 s
